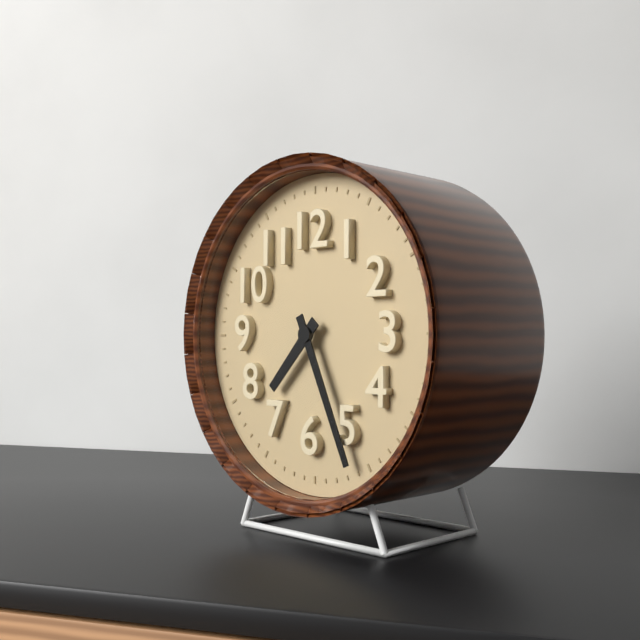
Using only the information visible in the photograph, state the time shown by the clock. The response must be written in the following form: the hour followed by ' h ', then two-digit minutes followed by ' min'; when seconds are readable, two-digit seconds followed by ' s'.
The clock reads 7 h 26 min
